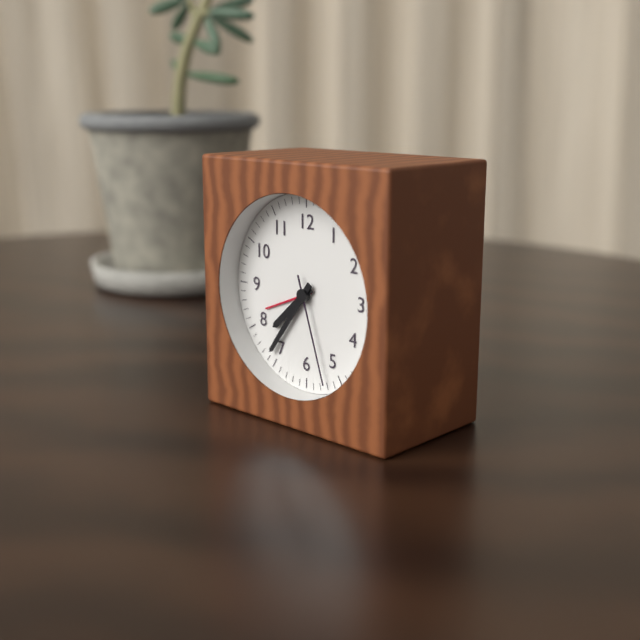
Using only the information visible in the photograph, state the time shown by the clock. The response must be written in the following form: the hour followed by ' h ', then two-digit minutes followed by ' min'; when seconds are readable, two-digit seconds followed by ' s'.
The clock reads 7 h 36 min 27 s
